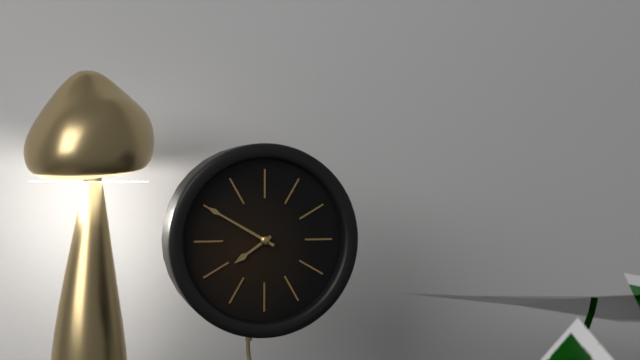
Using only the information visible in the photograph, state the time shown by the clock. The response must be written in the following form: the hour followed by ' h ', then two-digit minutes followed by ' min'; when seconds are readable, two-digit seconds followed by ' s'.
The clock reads 7 h 50 min
